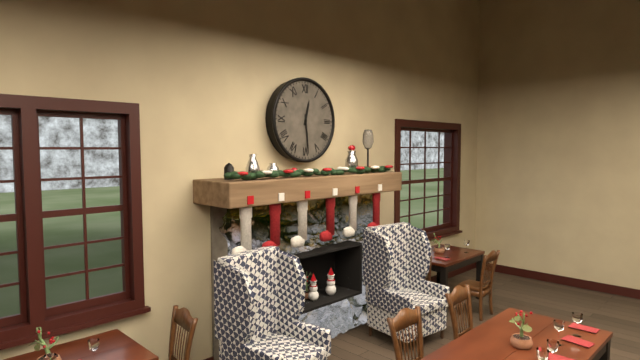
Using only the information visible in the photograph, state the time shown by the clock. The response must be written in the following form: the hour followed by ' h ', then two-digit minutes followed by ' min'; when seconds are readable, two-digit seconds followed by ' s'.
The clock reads 12 h 29 min
